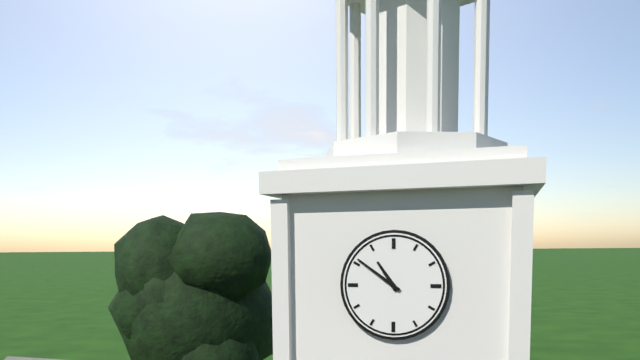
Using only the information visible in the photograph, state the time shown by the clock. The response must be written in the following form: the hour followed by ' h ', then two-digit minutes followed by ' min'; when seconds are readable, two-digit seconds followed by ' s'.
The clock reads 10 h 51 min
